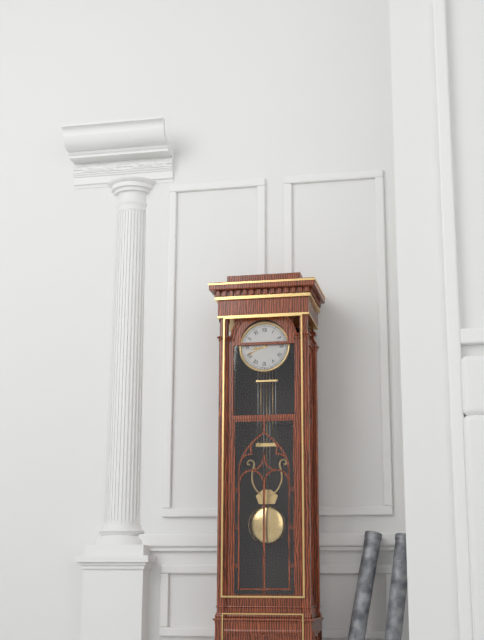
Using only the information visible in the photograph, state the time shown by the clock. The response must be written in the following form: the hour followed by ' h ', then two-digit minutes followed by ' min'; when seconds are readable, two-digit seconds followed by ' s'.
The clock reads 8 h 41 min
